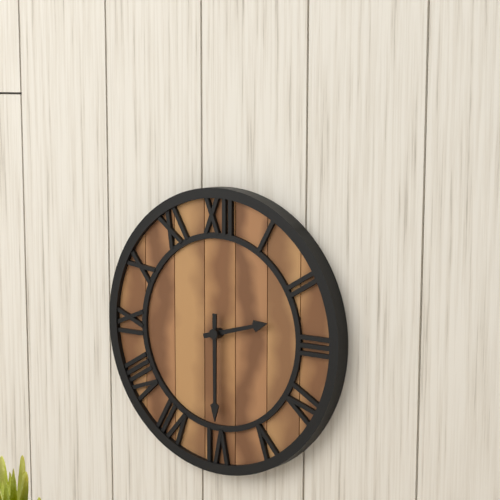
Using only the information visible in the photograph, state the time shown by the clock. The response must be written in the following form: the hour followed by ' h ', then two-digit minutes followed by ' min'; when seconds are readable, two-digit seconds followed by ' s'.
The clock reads 2 h 30 min
